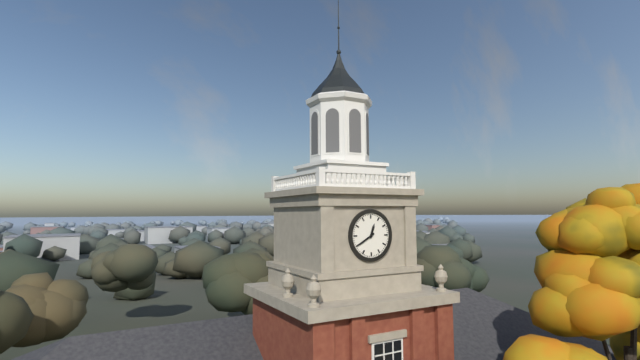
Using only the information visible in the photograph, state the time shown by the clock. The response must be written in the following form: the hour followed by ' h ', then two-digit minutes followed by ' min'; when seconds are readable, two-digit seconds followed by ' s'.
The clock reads 12 h 40 min
